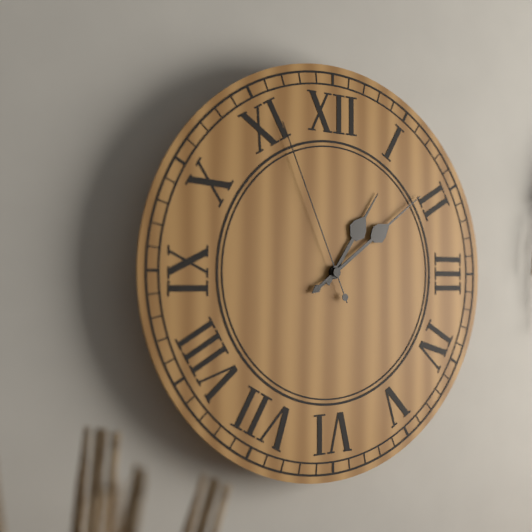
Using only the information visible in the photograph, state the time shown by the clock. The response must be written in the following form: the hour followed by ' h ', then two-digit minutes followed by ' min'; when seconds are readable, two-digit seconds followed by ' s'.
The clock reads 1 h 09 min 56 s
